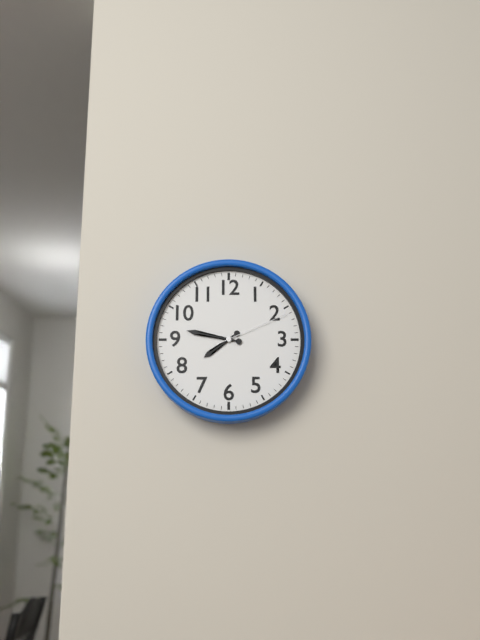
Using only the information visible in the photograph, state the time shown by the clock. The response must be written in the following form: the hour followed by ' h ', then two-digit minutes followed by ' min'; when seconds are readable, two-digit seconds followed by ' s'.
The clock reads 7 h 47 min 11 s
